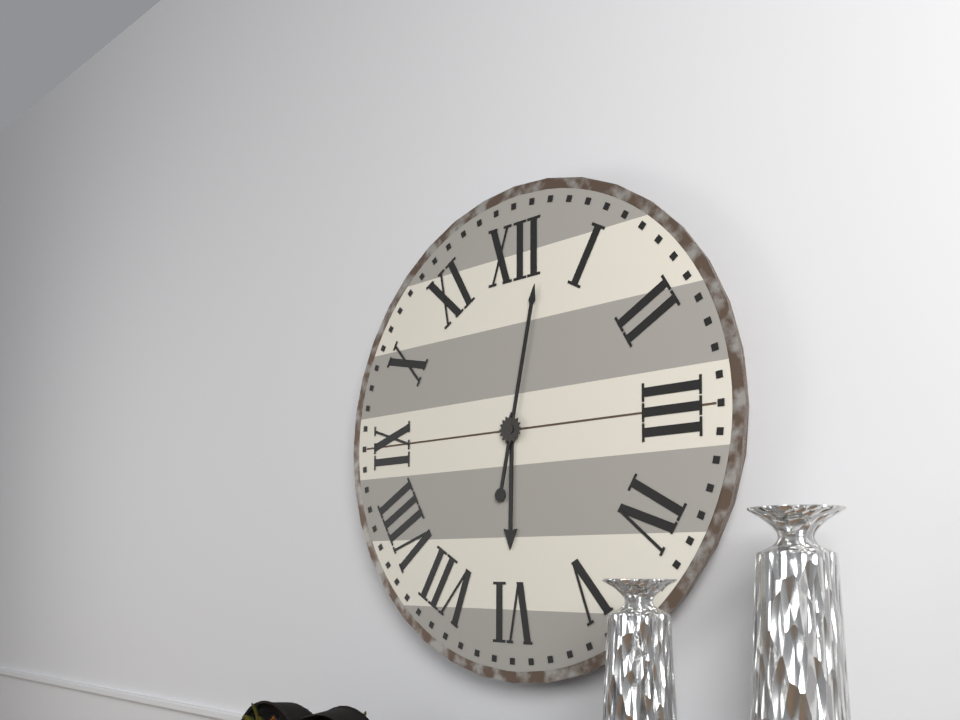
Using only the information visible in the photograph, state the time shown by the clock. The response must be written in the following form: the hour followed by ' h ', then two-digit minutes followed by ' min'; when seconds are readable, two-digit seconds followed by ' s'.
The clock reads 6 h 02 min
